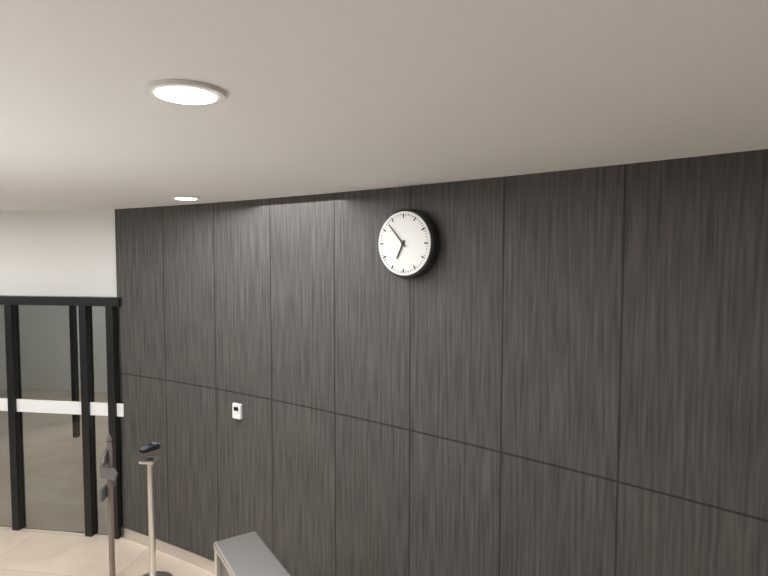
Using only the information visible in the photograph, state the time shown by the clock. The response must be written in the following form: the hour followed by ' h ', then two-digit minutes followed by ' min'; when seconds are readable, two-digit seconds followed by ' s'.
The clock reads 6 h 53 min
